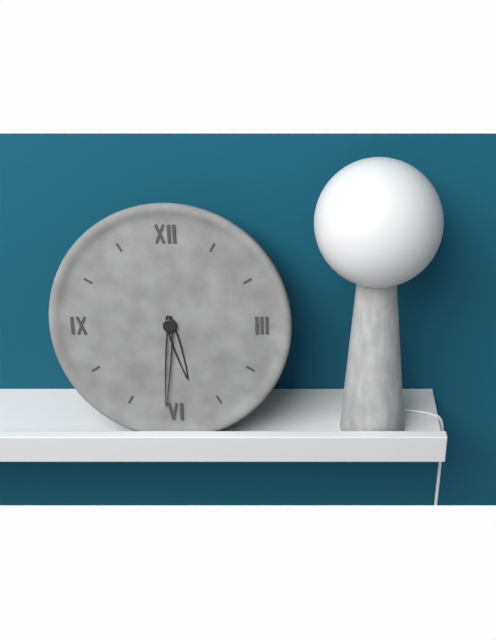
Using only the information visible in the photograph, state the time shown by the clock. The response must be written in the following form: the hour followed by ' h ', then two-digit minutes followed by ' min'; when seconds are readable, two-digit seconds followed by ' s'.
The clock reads 5 h 31 min
